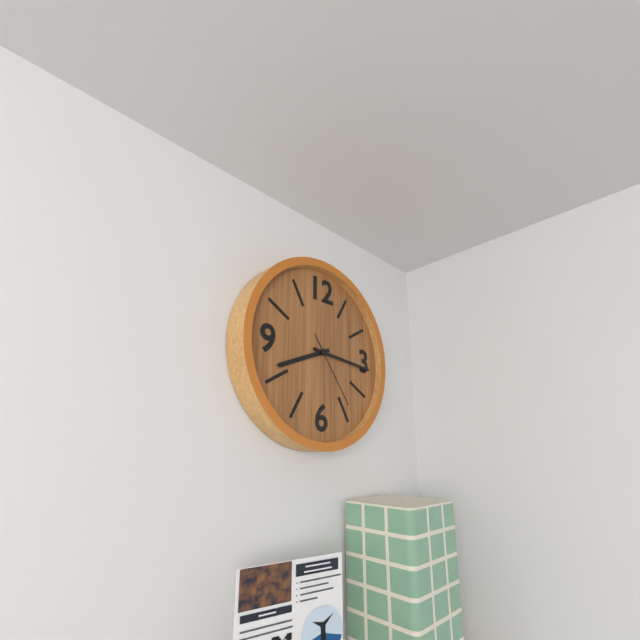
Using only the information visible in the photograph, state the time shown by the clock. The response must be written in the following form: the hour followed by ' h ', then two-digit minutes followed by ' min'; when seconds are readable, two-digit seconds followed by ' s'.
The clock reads 8 h 16 min 24 s
